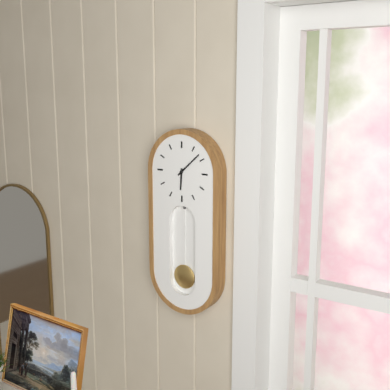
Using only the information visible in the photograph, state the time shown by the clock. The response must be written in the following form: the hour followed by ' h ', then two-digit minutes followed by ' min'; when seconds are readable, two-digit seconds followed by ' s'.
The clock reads 6 h 08 min
